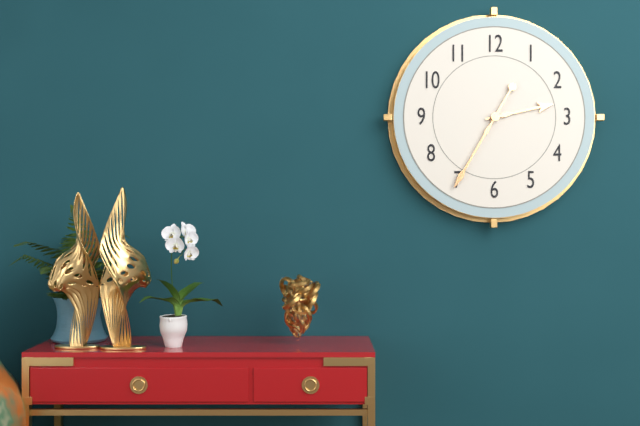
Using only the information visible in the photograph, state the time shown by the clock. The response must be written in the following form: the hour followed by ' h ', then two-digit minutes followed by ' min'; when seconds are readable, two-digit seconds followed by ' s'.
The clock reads 2 h 35 min
